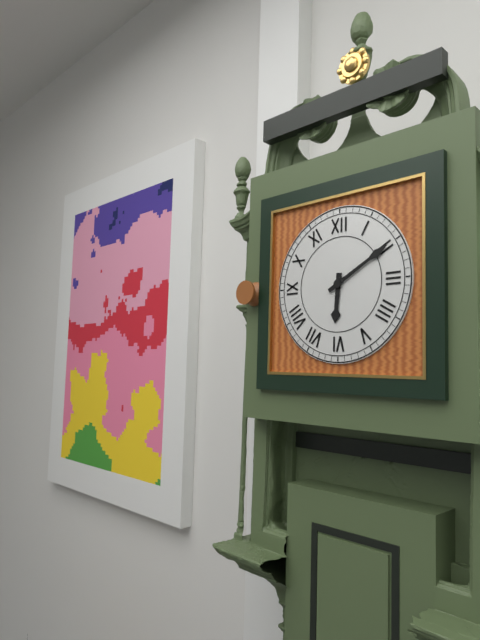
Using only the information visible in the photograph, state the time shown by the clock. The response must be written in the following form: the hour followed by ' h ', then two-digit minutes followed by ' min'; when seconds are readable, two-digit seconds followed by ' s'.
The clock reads 6 h 10 min
